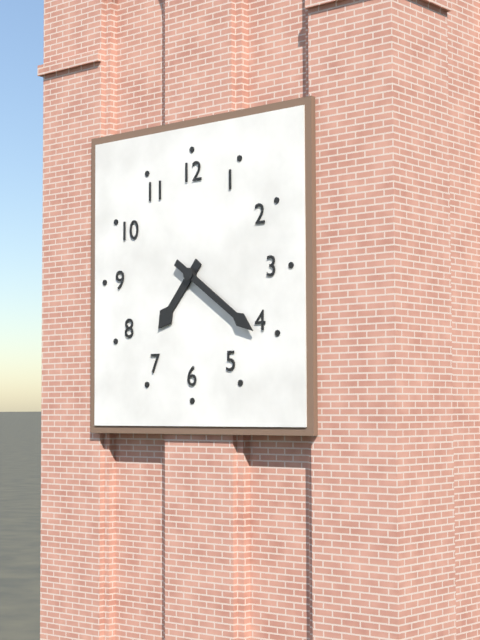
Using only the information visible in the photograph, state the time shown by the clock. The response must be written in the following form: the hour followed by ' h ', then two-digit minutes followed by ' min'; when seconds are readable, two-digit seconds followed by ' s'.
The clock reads 7 h 21 min
